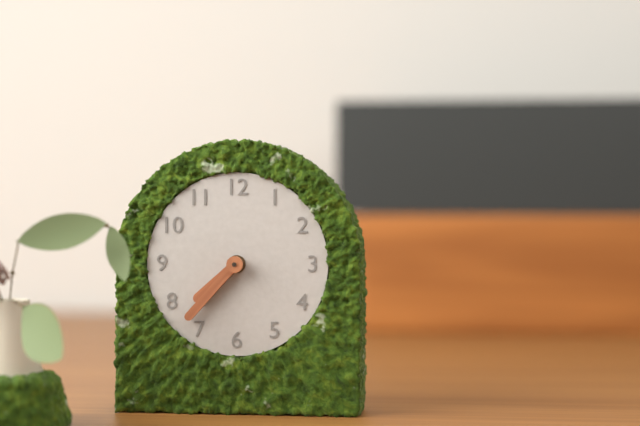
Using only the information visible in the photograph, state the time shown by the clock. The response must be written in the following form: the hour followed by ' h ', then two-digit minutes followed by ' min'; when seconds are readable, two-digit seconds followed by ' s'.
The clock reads 7 h 37 min
